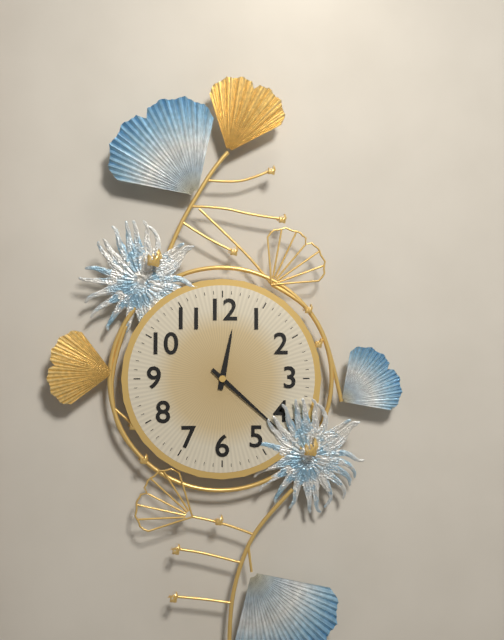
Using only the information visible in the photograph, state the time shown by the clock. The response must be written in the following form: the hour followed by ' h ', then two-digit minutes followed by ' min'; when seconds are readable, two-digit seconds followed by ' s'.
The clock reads 12 h 22 min
